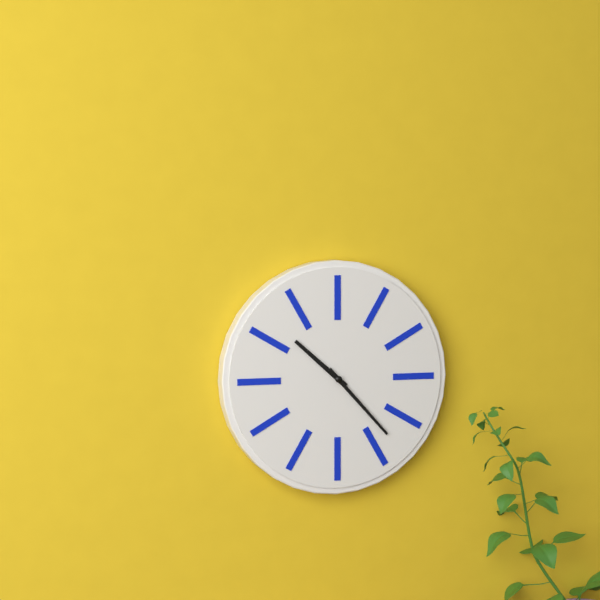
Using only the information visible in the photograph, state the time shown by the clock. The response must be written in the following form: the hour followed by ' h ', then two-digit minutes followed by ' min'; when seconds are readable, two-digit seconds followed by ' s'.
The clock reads 10 h 23 min
